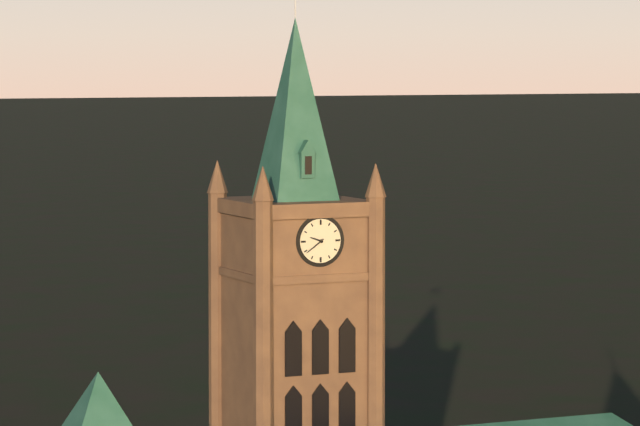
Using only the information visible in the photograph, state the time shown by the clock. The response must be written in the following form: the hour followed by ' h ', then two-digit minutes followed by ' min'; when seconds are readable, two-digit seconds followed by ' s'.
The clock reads 9 h 39 min
